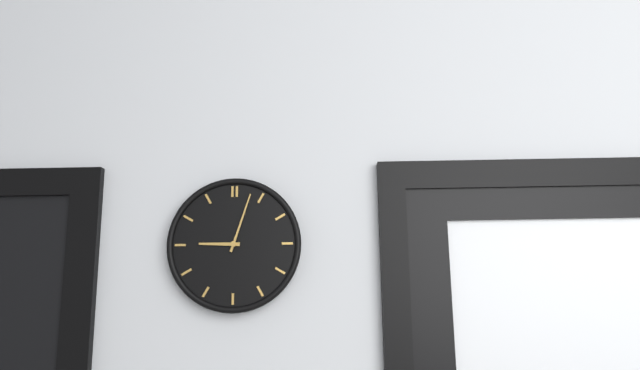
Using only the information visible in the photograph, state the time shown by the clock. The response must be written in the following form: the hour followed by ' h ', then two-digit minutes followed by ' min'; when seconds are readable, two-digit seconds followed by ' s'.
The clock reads 9 h 03 min
